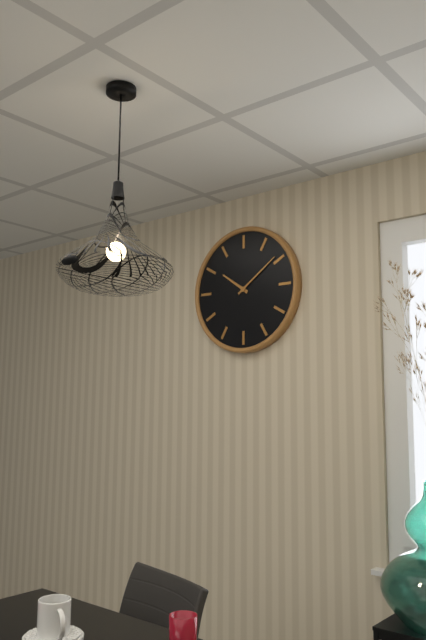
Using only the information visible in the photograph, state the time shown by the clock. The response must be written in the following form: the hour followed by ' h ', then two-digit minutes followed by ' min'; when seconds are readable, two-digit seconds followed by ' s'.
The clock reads 10 h 09 min
